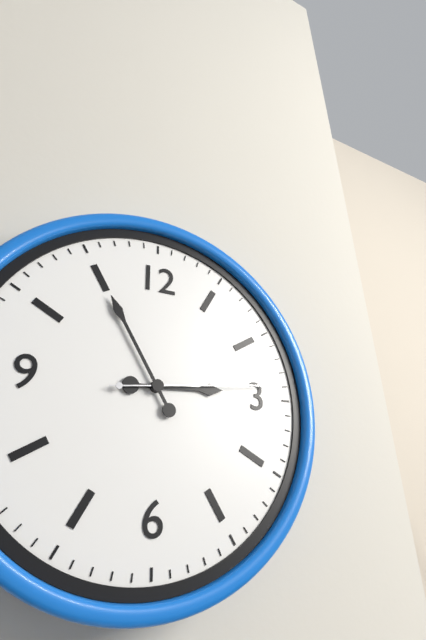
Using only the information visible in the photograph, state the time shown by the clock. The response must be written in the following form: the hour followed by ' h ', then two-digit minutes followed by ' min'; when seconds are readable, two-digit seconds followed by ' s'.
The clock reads 2 h 55 min 14 s
